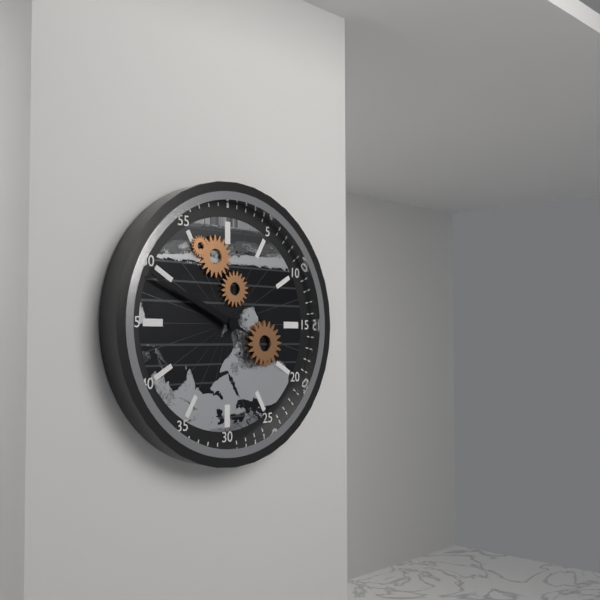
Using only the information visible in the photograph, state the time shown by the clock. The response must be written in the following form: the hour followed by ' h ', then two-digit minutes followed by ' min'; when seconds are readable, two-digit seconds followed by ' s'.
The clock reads 9 h 49 min
